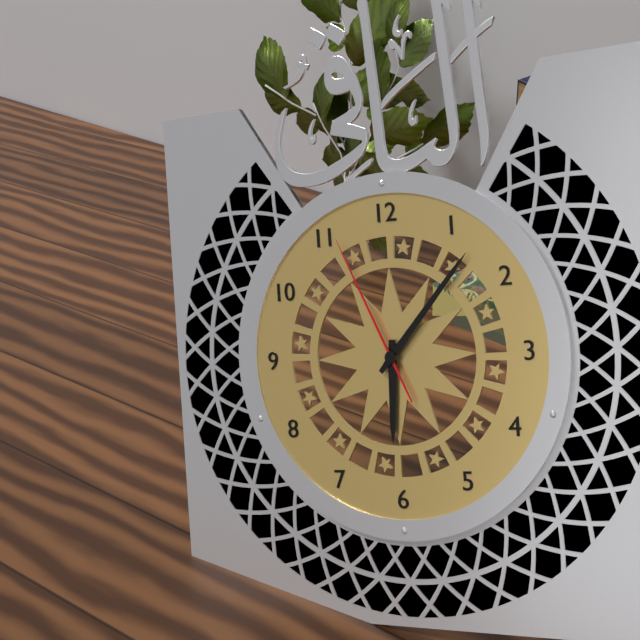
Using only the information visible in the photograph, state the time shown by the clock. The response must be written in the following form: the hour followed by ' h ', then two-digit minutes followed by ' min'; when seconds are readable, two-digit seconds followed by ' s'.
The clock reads 6 h 07 min 56 s
